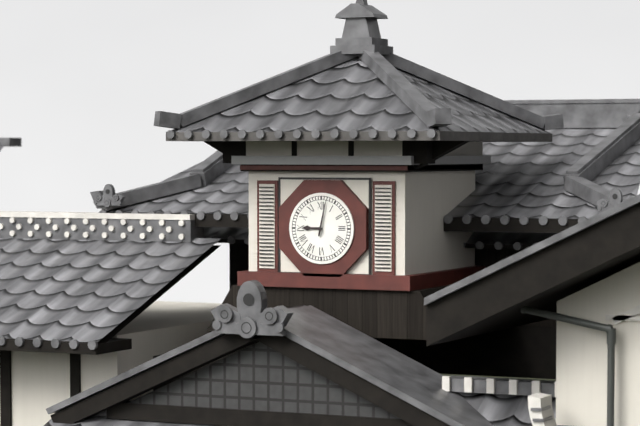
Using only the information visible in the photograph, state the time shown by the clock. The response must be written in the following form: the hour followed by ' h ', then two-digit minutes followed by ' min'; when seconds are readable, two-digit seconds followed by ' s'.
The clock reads 9 h 02 min
